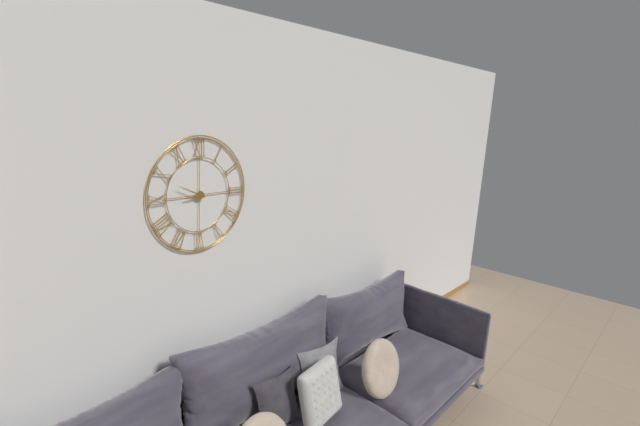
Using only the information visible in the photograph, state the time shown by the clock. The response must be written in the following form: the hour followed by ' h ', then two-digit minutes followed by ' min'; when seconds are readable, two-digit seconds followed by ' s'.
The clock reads 8 h 49 min
